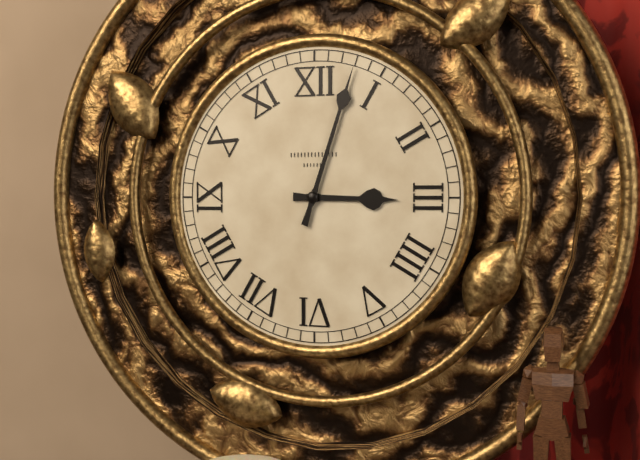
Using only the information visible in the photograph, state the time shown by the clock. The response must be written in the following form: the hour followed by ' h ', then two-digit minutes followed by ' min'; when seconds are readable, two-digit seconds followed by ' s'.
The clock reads 3 h 03 min
